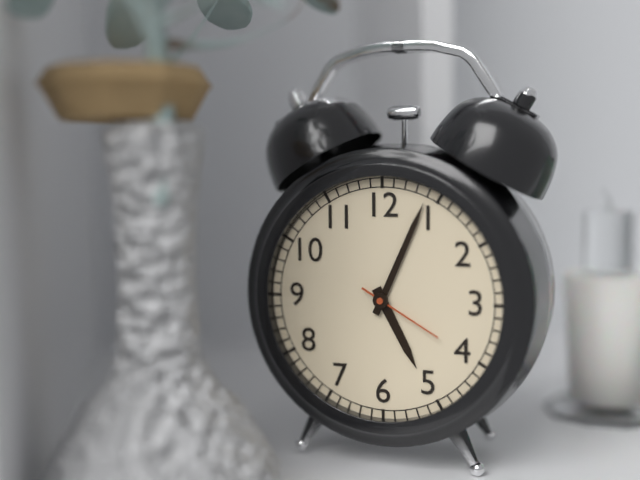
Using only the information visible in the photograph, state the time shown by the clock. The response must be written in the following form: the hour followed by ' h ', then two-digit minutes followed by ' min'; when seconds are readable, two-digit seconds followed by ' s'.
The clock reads 5 h 04 min 20 s
